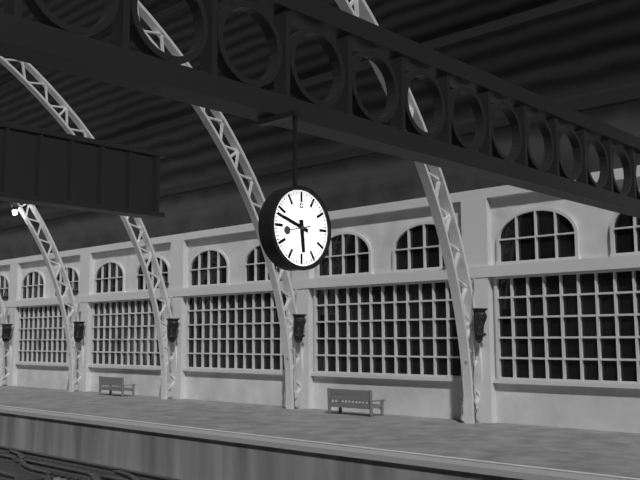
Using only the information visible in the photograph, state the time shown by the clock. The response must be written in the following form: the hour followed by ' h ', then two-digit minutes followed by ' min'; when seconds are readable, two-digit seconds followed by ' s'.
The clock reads 5 h 48 min
